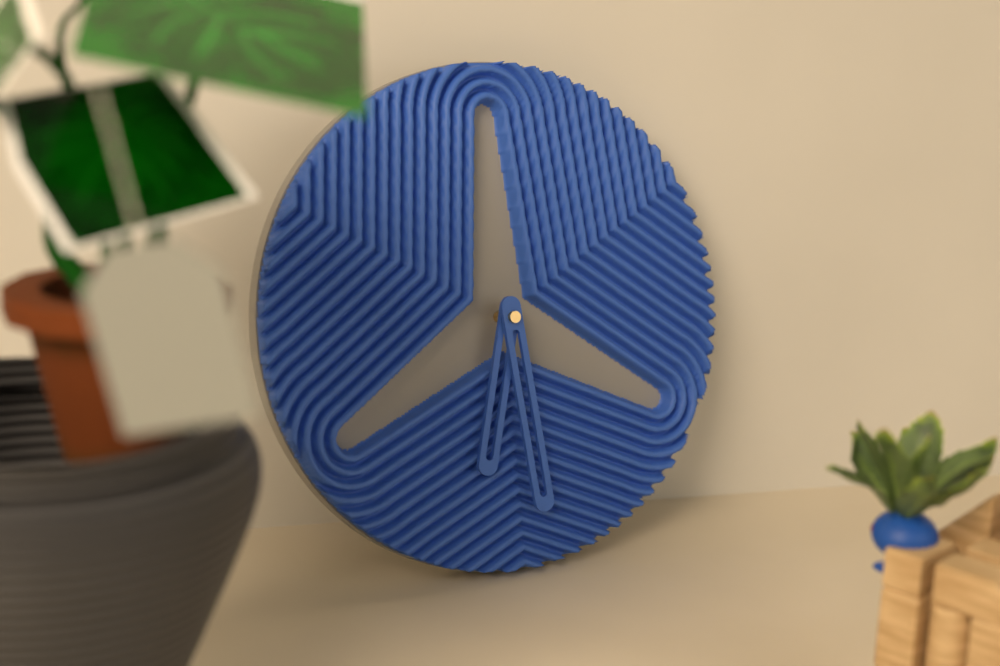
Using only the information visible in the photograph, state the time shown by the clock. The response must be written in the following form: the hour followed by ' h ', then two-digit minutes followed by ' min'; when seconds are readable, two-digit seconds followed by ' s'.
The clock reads 6 h 29 min
